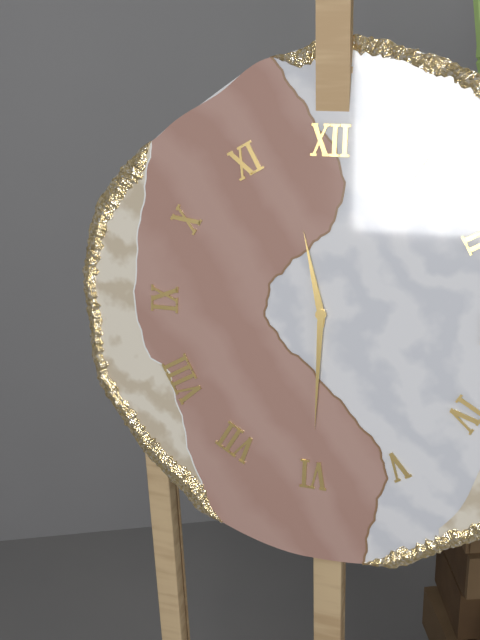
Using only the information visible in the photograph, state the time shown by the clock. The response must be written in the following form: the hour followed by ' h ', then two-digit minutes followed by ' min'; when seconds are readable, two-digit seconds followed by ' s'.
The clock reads 11 h 30 min
